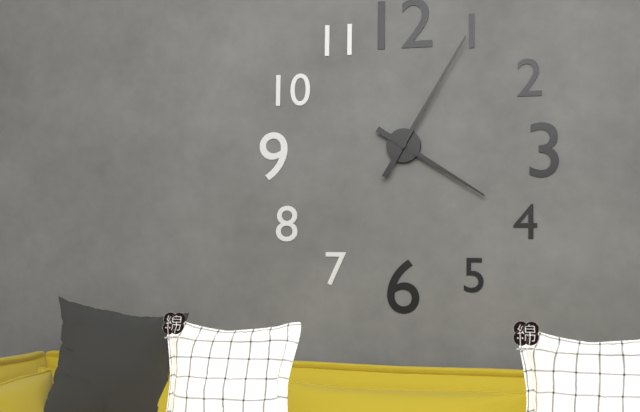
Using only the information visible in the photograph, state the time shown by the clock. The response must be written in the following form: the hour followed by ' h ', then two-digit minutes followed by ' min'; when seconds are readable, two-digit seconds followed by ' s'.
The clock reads 4 h 05 min
